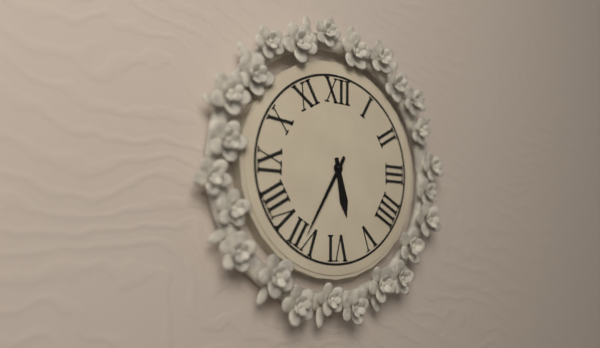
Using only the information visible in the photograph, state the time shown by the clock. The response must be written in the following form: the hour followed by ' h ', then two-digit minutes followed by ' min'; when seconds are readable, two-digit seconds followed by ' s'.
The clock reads 5 h 35 min
